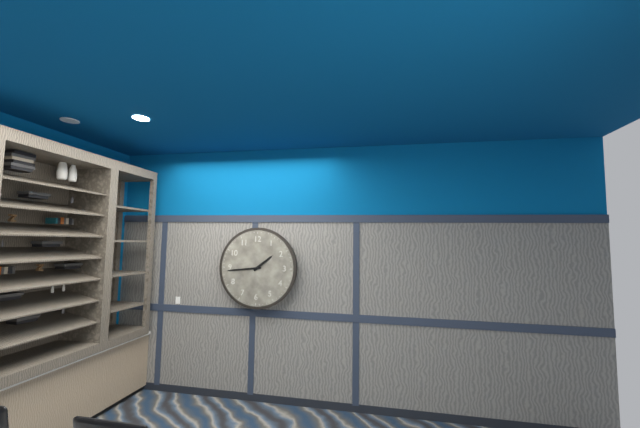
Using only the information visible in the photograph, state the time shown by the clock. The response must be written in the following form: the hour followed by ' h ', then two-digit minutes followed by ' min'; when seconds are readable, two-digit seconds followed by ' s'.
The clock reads 1 h 44 min
